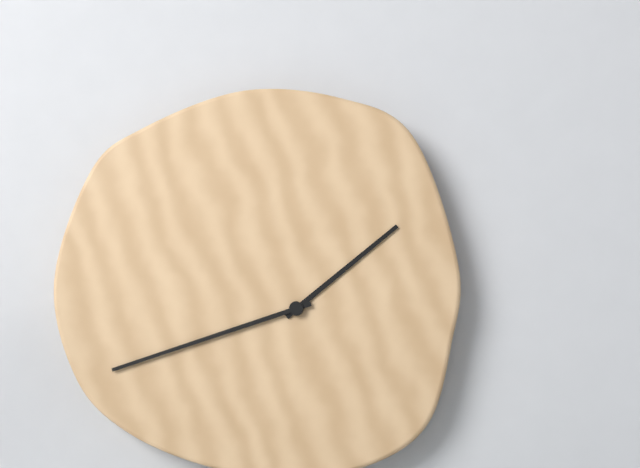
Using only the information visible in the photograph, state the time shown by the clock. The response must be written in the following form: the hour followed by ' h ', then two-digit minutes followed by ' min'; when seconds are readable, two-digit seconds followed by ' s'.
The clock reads 1 h 42 min
